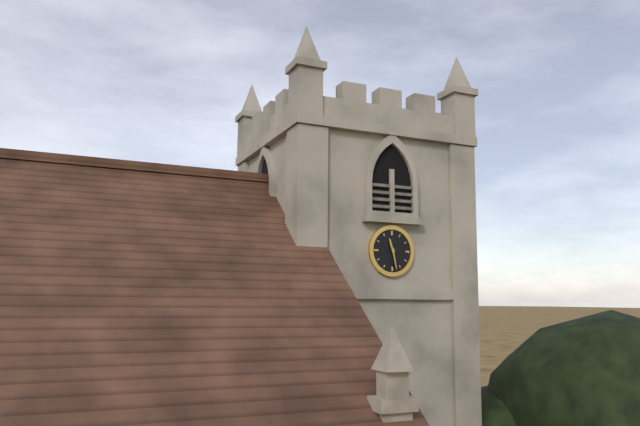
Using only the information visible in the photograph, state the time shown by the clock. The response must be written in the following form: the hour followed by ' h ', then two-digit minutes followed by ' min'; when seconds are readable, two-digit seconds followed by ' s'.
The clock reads 11 h 28 min
